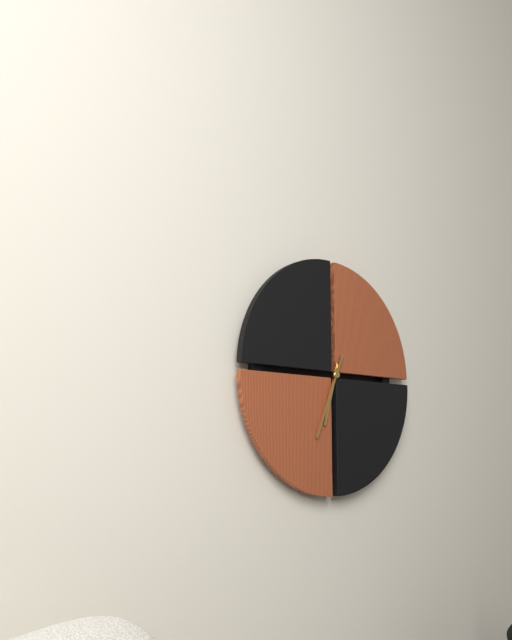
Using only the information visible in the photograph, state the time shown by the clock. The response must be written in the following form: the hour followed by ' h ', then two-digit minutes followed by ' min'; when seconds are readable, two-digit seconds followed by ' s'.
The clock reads 6 h 34 min
